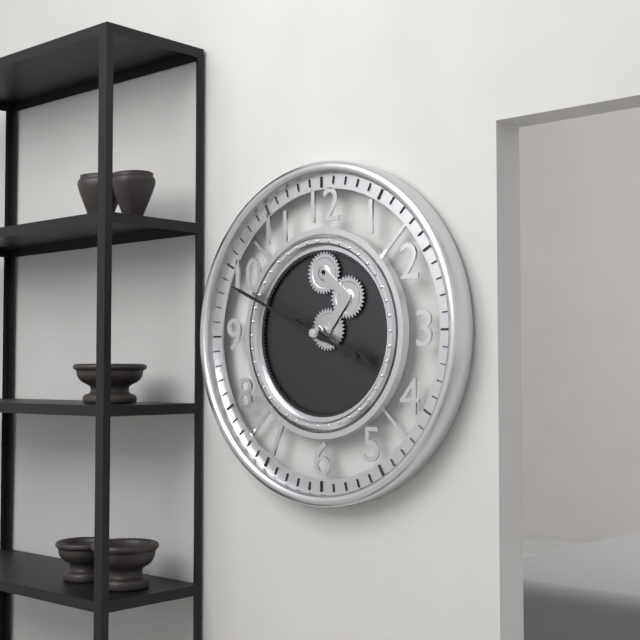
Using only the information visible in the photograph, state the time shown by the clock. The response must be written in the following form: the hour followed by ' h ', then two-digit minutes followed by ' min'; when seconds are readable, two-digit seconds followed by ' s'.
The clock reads 3 h 49 min
